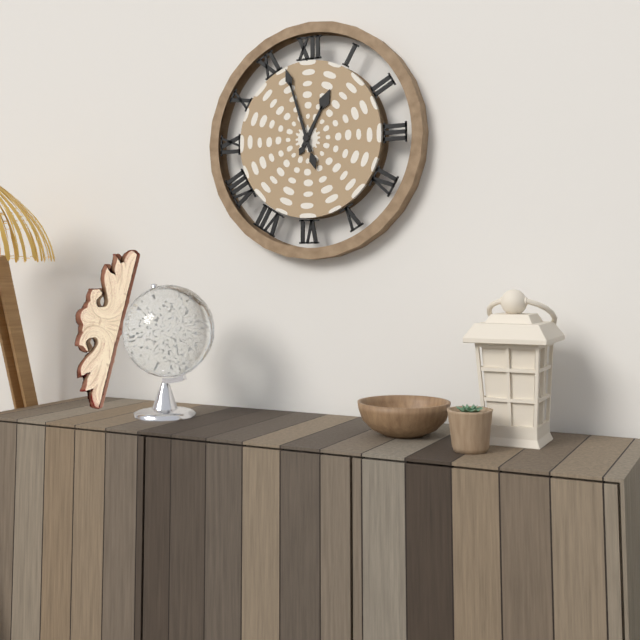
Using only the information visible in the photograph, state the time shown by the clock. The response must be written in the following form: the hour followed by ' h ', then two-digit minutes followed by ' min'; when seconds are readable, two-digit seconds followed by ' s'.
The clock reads 12 h 57 min
